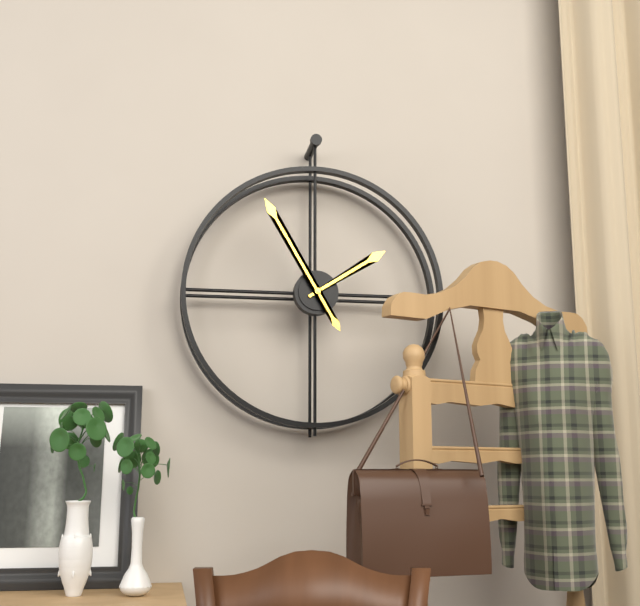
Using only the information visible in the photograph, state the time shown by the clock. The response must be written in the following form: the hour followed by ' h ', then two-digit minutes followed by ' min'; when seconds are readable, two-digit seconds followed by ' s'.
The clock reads 1 h 55 min
